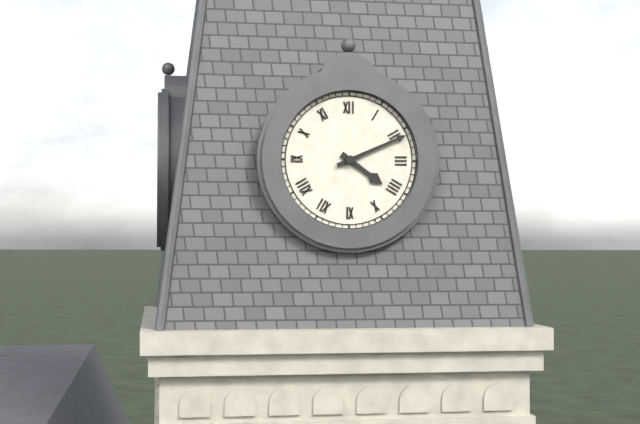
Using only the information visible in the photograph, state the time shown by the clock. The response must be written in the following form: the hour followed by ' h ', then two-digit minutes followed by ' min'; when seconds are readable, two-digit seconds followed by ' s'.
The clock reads 4 h 11 min
